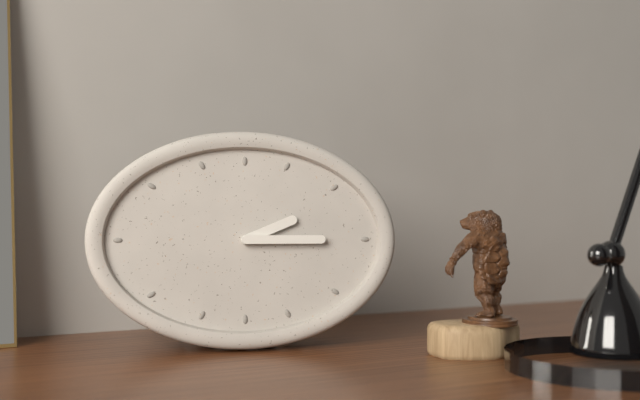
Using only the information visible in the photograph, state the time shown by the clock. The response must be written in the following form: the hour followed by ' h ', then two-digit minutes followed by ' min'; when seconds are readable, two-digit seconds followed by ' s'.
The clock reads 2 h 15 min
